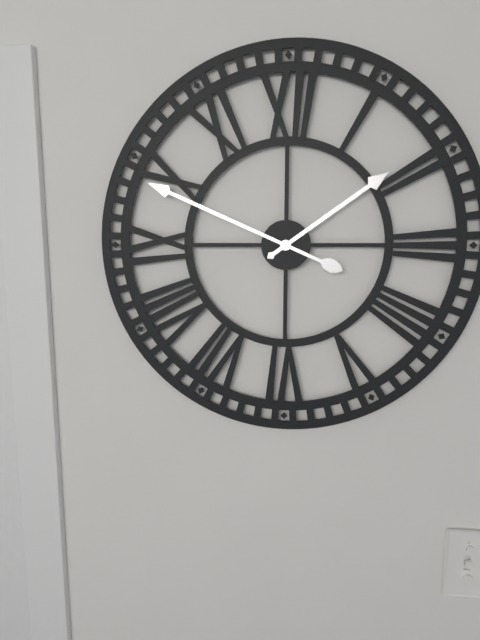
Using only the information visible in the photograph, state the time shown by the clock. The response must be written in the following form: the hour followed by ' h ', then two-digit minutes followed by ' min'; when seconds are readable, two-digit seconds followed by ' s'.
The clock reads 1 h 49 min
